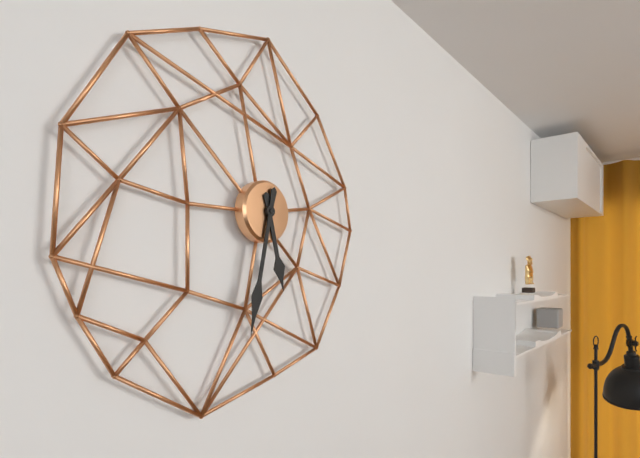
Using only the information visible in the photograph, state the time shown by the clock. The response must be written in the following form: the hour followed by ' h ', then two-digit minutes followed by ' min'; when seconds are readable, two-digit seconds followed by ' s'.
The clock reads 5 h 32 min
